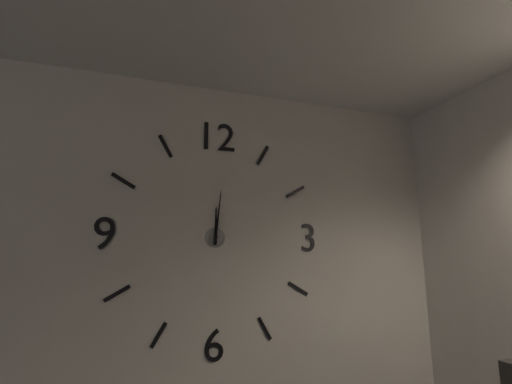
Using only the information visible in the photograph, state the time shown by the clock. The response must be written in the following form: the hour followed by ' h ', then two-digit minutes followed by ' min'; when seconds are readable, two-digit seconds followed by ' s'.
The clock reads 12 h 01 min
